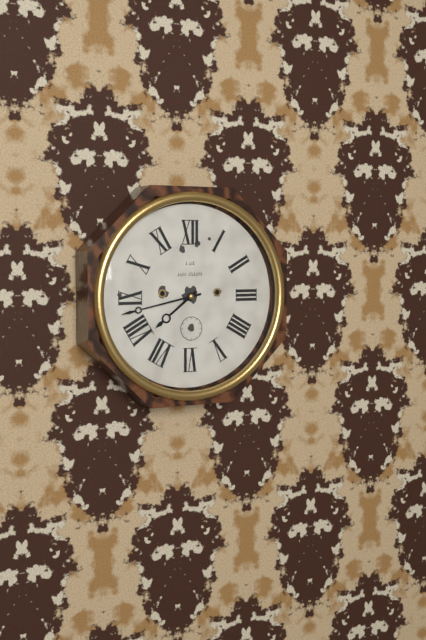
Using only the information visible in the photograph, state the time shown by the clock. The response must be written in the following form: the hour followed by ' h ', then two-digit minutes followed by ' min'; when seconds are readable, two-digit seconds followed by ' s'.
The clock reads 7 h 43 min
